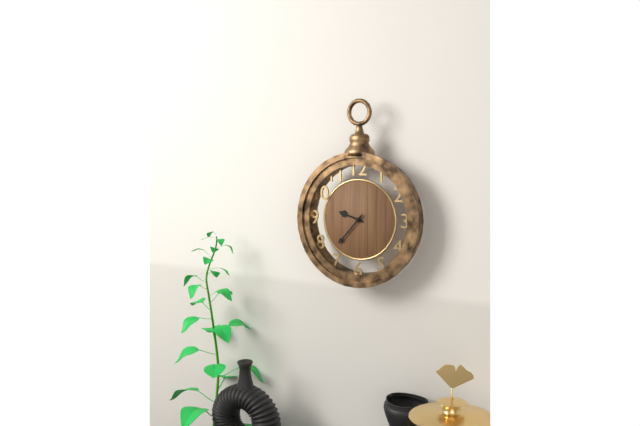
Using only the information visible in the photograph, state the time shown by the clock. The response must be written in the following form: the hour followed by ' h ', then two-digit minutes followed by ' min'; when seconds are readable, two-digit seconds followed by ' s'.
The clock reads 9 h 37 min
